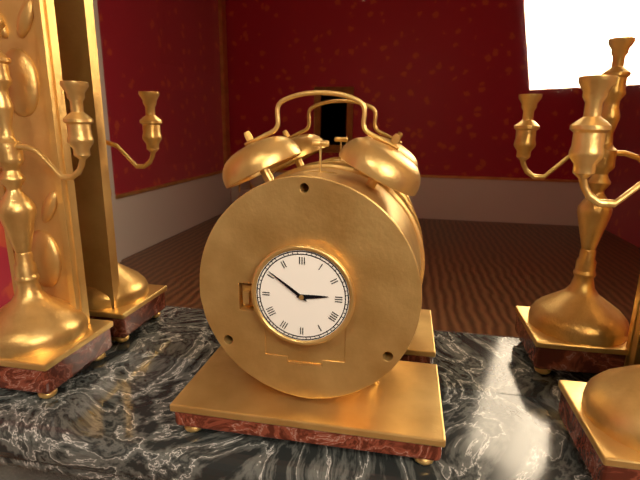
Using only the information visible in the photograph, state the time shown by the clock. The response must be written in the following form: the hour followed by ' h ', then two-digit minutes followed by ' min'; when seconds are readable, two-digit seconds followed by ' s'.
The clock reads 2 h 51 min
